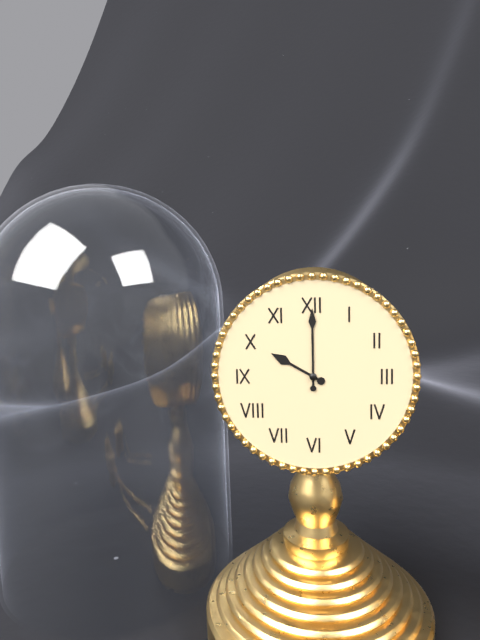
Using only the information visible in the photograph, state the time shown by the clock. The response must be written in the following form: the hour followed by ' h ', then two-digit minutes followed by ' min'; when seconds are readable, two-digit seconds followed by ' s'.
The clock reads 10 h 00 min
